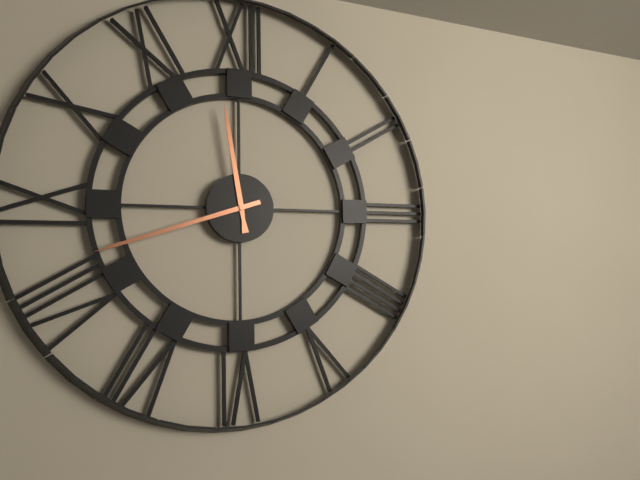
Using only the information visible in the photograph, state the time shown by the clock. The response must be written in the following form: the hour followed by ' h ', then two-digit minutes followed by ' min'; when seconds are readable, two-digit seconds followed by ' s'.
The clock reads 11 h 42 min
